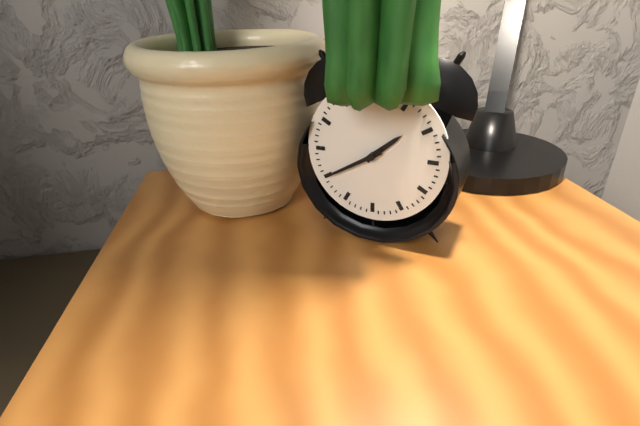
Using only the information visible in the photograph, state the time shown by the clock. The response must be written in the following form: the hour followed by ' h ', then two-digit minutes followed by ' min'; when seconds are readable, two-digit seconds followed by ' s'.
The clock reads 1 h 40 min
